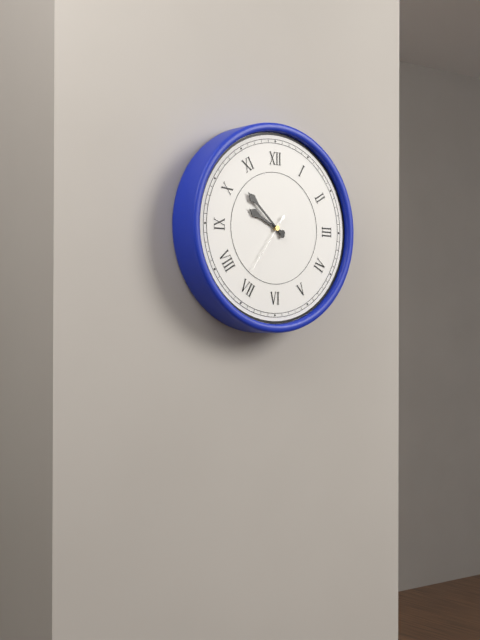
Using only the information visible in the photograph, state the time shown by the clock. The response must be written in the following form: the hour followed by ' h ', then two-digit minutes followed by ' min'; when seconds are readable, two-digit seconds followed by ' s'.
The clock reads 9 h 52 min 36 s
